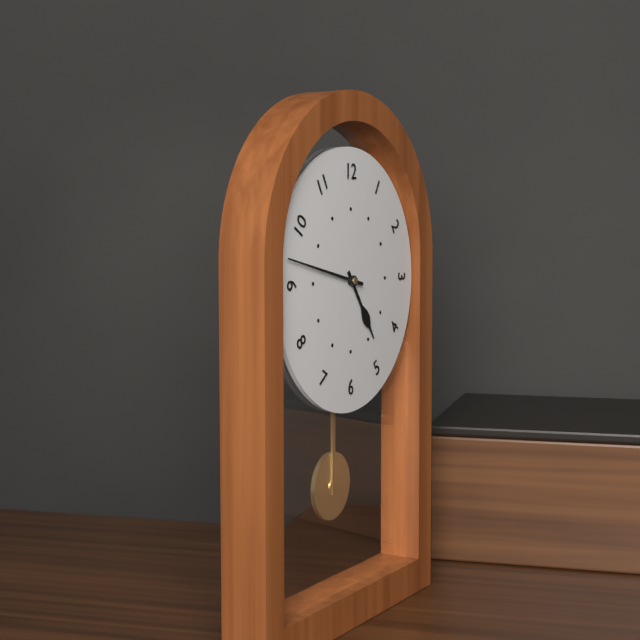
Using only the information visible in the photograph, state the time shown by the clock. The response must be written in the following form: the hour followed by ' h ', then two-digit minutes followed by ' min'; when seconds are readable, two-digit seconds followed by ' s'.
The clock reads 4 h 47 min
